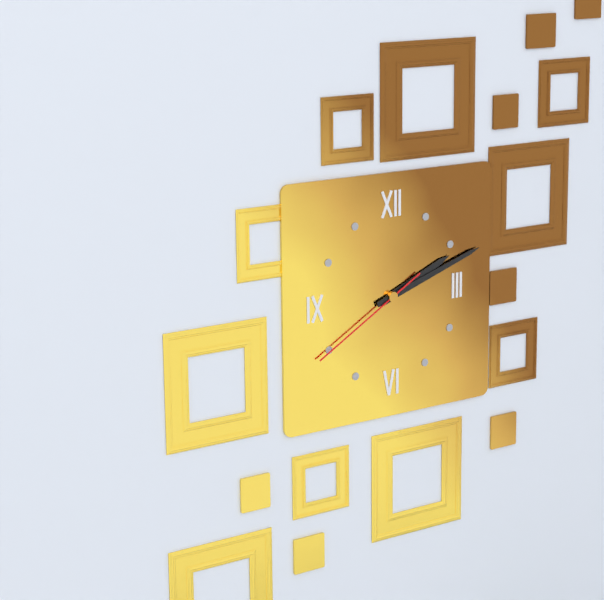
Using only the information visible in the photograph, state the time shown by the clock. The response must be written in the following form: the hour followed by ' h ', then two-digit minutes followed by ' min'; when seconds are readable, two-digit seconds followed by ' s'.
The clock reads 2 h 12 min 40 s
